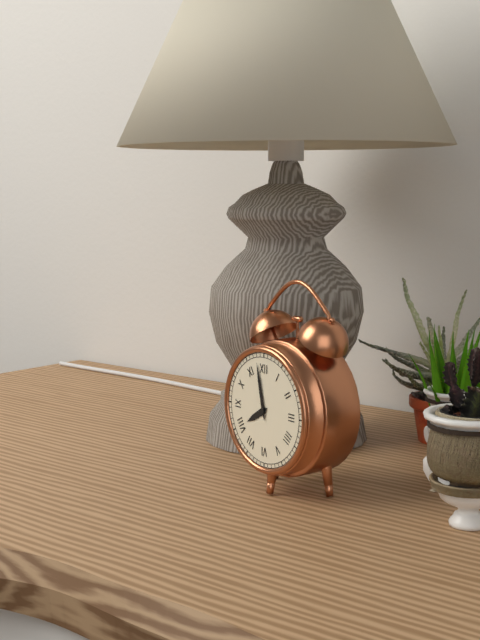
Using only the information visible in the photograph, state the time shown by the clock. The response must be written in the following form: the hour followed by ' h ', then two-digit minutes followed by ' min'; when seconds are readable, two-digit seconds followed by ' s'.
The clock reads 7 h 58 min
